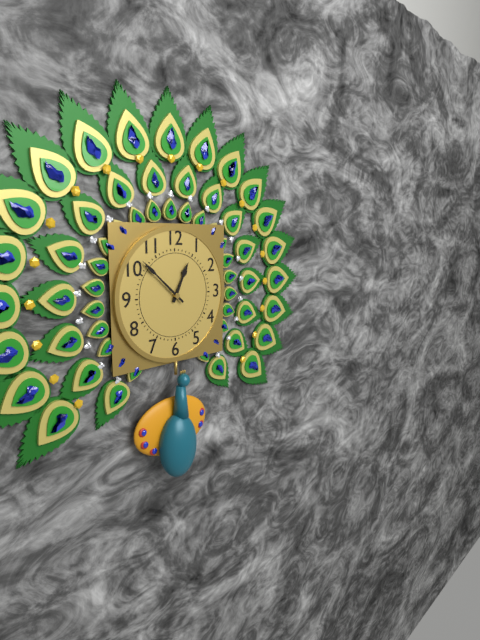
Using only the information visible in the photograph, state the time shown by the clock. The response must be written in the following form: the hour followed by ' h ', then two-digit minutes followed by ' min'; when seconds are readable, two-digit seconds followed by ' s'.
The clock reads 12 h 52 min
